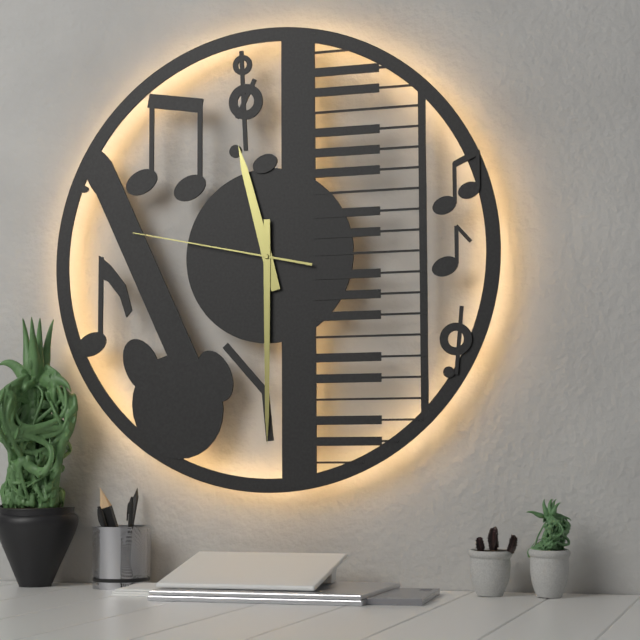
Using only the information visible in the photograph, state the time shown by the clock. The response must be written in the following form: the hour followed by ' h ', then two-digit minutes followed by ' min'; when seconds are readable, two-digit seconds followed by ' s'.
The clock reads 11 h 30 min 47 s
